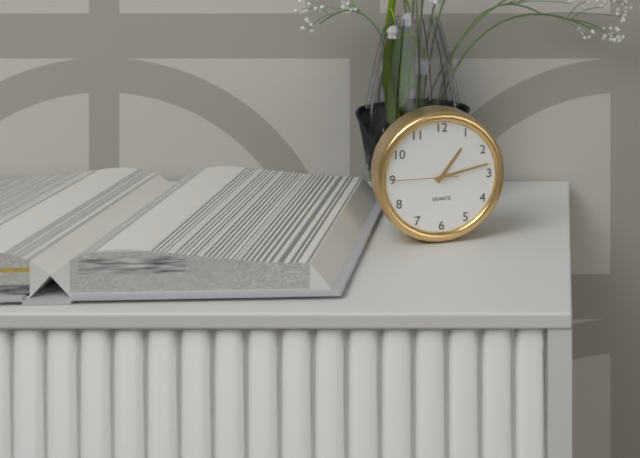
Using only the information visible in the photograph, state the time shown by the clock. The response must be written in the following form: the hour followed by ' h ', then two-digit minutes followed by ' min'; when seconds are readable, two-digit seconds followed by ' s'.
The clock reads 1 h 13 min 45 s
